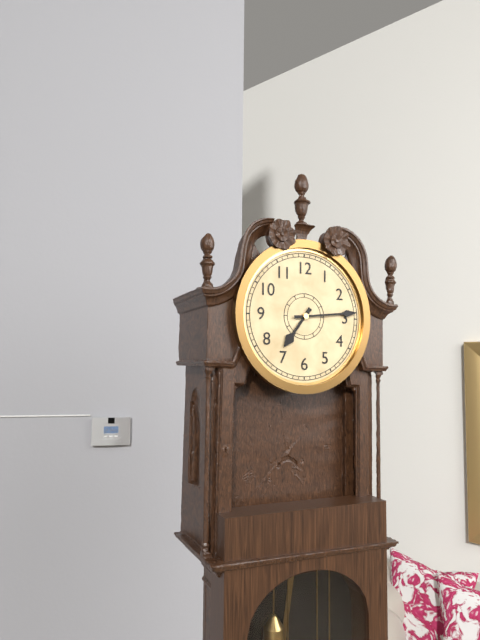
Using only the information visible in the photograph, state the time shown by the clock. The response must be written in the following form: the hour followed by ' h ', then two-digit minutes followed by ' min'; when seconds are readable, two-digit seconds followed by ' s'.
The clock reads 7 h 14 min
